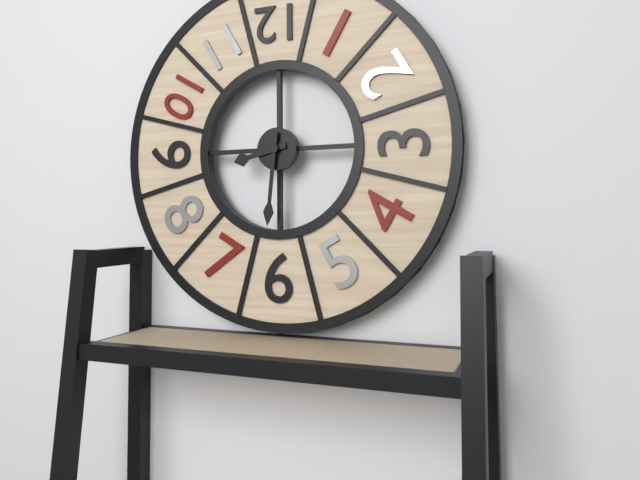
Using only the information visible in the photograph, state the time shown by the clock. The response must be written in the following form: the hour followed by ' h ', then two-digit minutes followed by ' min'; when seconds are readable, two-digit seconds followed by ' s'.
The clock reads 8 h 31 min
